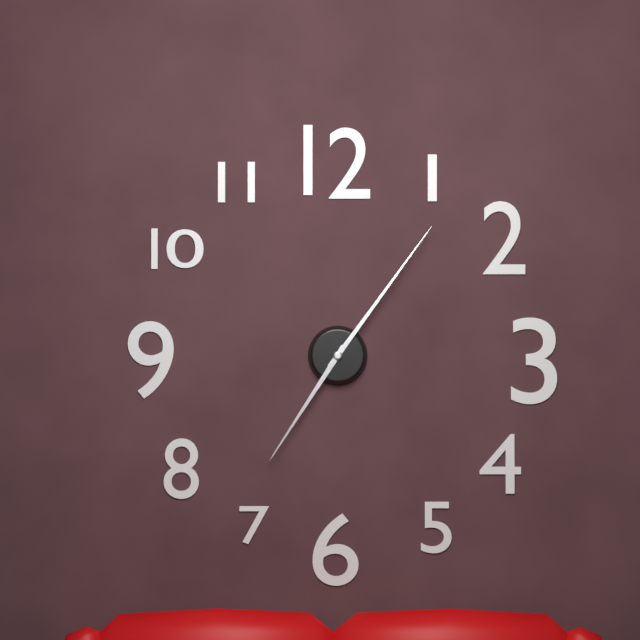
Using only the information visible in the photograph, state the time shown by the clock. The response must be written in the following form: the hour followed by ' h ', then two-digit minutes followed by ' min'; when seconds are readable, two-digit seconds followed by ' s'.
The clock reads 7 h 06 min
